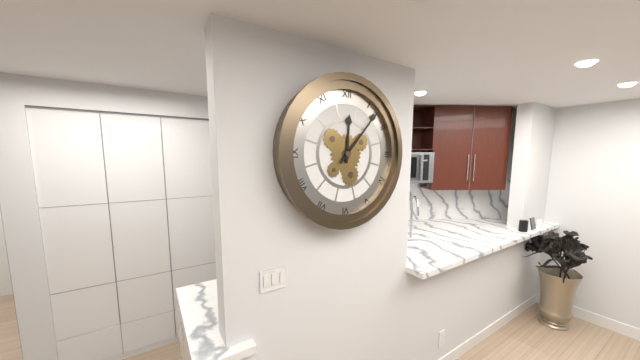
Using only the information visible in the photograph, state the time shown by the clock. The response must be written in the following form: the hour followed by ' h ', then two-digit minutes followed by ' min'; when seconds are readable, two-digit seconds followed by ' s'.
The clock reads 12 h 07 min
